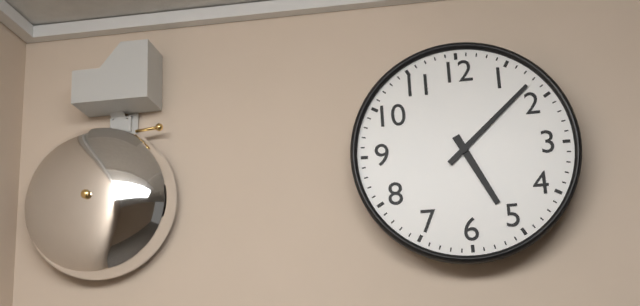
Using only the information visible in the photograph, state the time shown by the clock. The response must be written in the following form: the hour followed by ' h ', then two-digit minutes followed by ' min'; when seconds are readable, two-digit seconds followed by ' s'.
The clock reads 5 h 08 min
